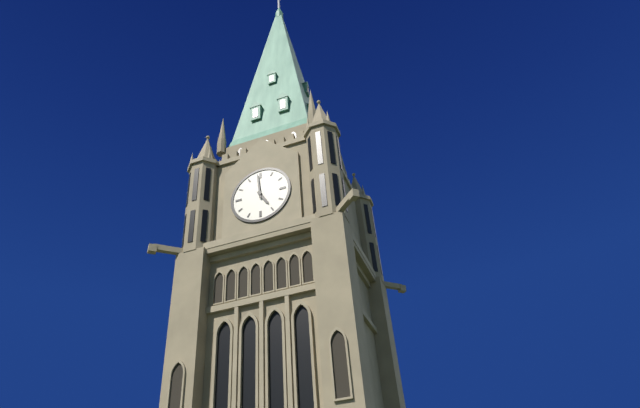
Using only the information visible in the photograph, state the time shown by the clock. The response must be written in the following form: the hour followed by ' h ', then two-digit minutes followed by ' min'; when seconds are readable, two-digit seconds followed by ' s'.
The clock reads 4 h 59 min
